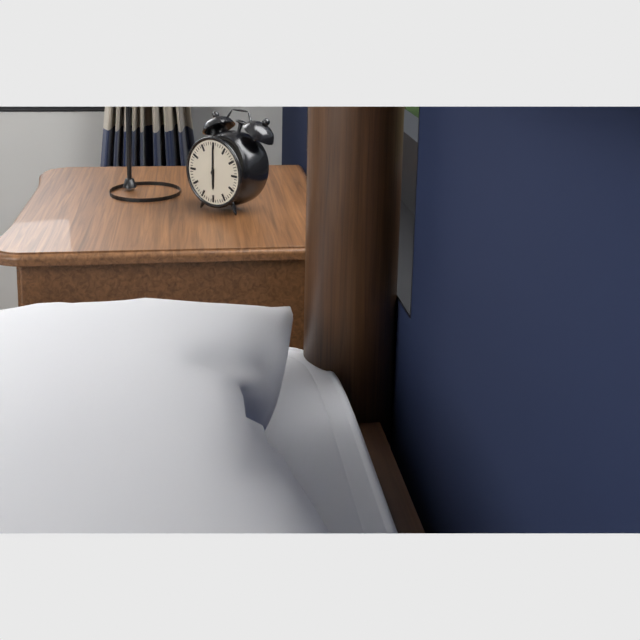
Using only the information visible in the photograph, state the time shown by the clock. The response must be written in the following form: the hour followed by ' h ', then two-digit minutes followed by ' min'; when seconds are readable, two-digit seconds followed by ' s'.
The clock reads 6 h 00 min
